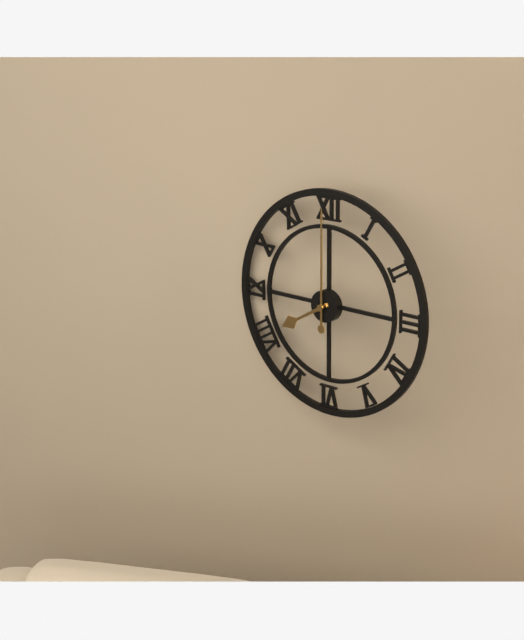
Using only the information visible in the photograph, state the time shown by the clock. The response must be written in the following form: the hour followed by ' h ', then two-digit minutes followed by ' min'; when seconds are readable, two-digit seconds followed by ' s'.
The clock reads 8 h 00 min
